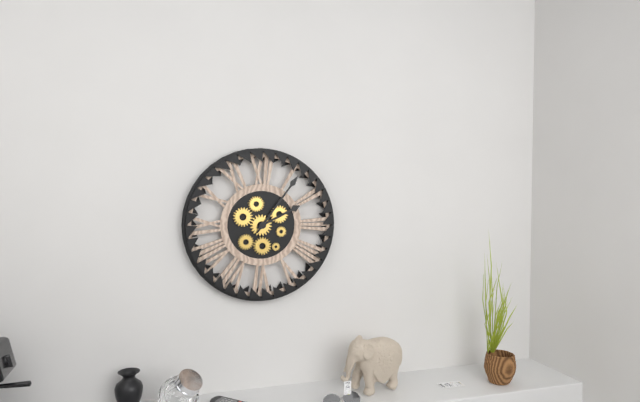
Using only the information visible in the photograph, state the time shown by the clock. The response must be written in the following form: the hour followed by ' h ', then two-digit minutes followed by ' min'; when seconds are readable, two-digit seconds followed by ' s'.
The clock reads 2 h 06 min
